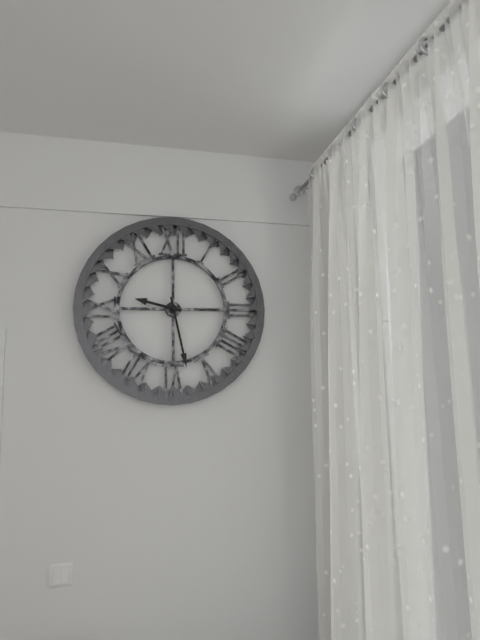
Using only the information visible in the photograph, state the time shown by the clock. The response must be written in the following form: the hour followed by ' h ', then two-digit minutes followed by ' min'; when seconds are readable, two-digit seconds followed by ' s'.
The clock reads 9 h 28 min
